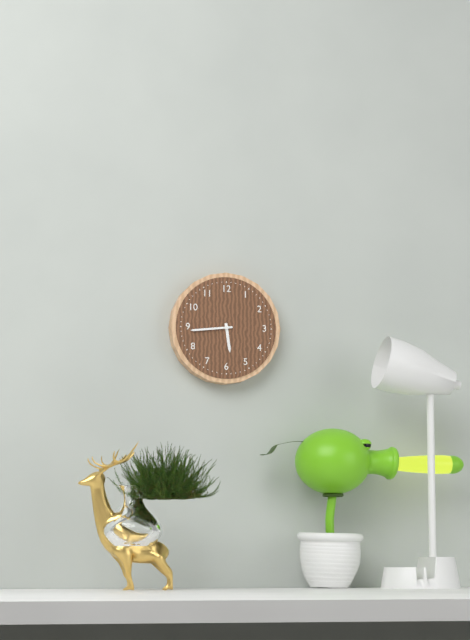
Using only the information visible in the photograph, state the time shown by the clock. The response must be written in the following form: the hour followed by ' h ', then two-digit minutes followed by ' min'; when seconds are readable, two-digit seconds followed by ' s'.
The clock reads 5 h 44 min
